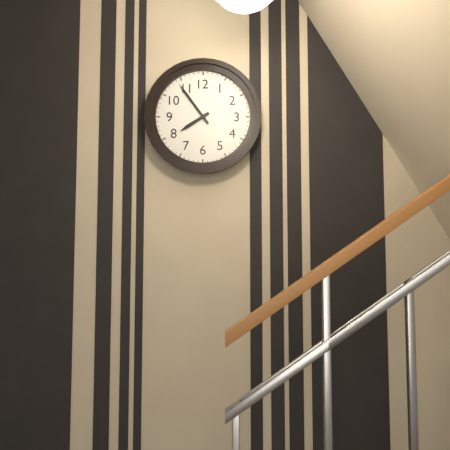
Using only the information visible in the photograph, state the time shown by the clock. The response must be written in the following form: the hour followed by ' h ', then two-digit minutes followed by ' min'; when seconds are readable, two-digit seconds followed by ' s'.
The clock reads 7 h 54 min
